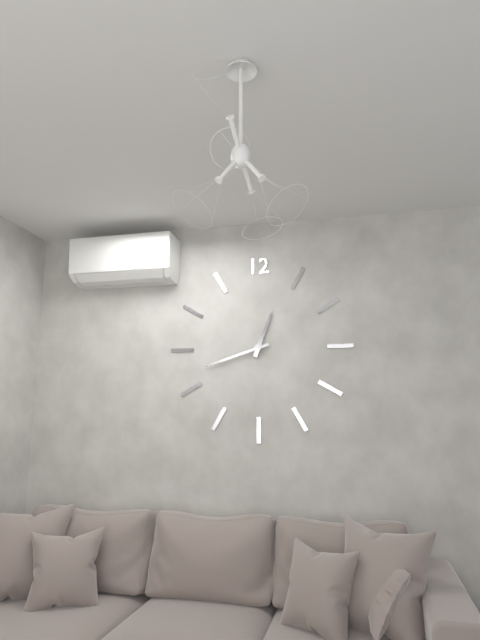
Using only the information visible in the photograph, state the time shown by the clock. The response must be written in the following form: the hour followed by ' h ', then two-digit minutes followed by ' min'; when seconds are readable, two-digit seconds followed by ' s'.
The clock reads 12 h 42 min
